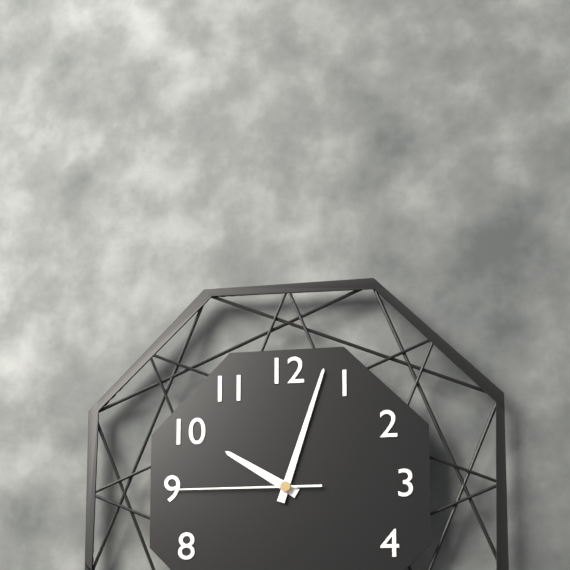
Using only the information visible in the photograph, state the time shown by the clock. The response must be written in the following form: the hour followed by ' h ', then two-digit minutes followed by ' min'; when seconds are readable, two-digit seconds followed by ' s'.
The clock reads 10 h 03 min 45 s
